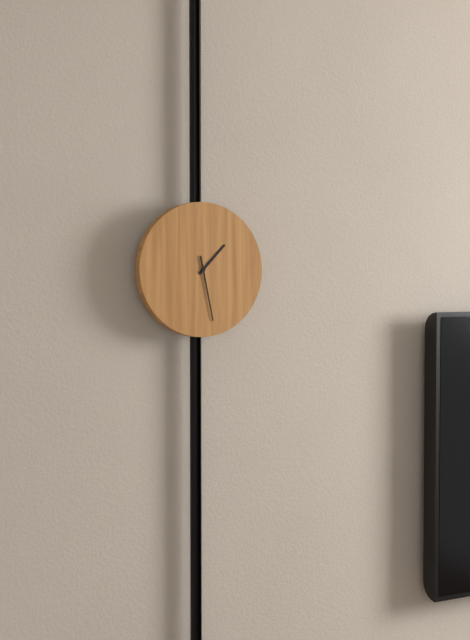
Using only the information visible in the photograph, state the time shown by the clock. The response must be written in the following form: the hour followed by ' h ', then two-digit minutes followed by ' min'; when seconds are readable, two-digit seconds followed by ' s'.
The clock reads 1 h 28 min
